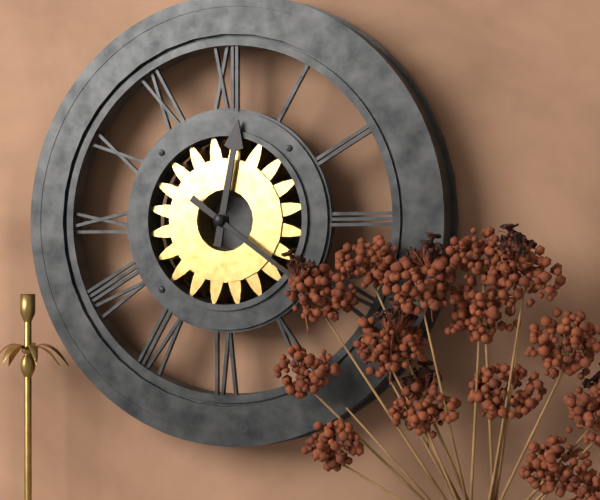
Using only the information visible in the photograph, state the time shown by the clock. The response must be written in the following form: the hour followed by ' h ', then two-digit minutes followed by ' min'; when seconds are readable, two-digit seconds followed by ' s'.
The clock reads 12 h 21 min
